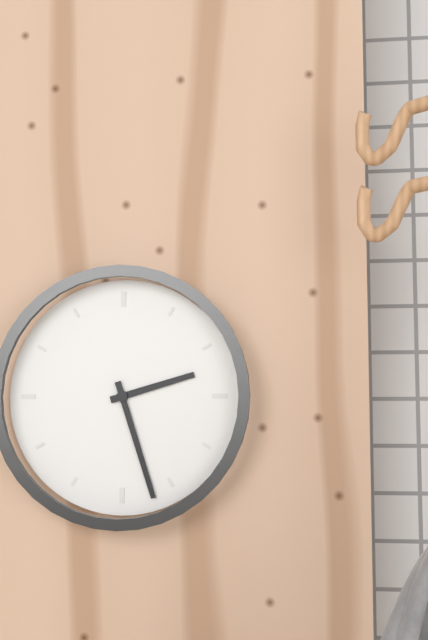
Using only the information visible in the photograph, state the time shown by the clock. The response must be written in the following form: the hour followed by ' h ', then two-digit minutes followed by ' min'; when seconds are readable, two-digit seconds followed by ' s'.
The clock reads 2 h 27 min
